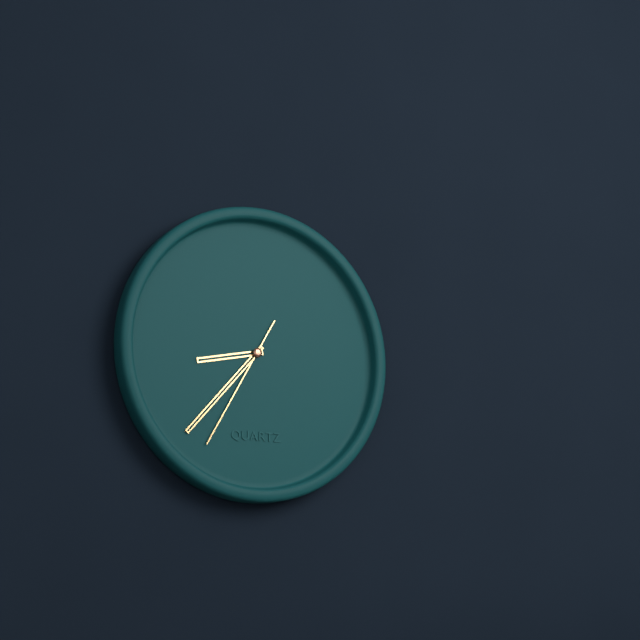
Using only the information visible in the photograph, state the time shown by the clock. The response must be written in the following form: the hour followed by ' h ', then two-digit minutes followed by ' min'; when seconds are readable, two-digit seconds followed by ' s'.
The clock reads 8 h 37 min 35 s
